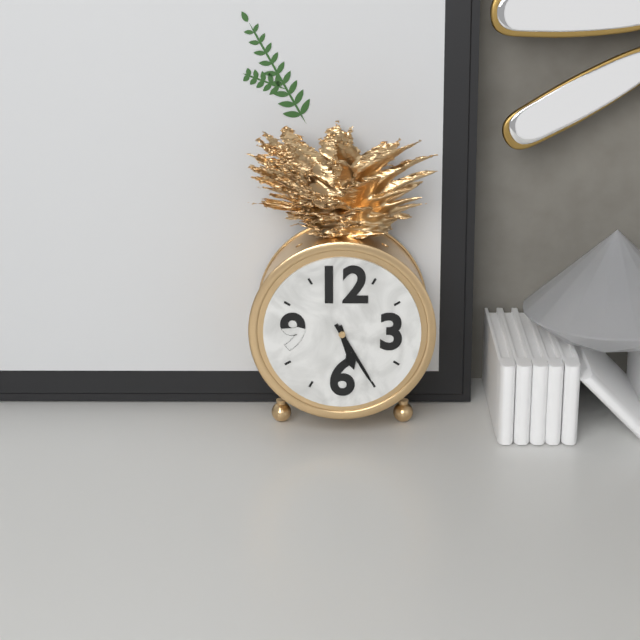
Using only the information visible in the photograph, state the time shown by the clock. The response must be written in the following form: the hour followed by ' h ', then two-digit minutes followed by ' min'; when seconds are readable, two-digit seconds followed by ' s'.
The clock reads 5 h 25 min
